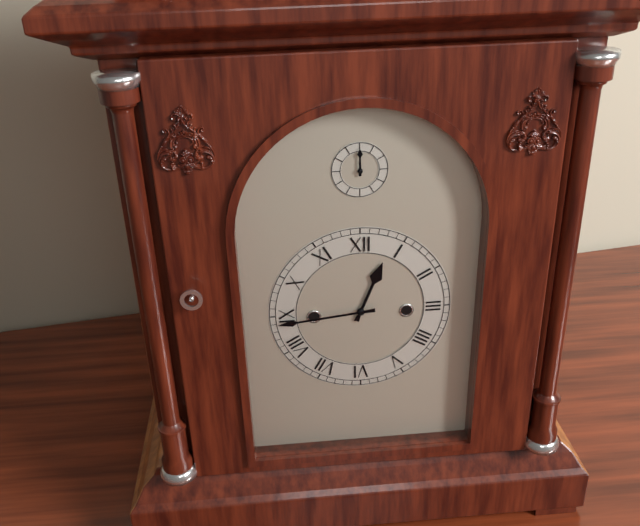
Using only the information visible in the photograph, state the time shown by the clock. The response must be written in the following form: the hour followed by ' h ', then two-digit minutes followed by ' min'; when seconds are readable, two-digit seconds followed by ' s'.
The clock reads 12 h 44 min
